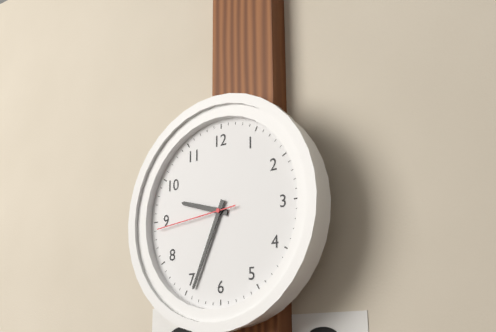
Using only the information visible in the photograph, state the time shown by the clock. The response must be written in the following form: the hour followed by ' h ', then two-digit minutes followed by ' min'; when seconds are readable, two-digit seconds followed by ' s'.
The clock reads 9 h 34 min 44 s
